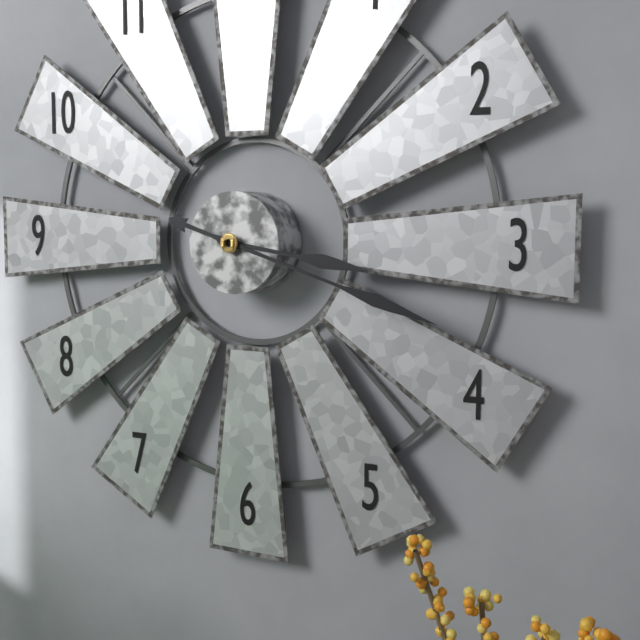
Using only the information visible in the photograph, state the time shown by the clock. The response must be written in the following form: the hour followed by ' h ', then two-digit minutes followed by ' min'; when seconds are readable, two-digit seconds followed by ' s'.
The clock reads 3 h 18 min
